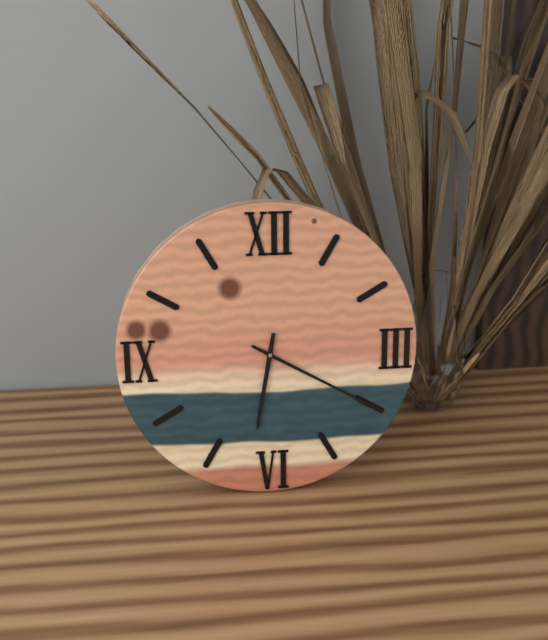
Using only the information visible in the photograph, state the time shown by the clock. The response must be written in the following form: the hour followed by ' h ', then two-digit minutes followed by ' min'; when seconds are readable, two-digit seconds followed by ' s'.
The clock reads 6 h 20 min
